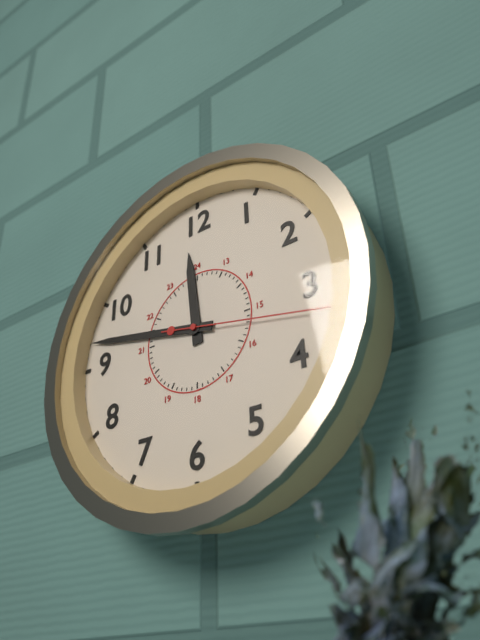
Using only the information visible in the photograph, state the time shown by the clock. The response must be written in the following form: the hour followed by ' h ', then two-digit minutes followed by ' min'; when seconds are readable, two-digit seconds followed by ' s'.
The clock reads 11 h 47 min 17 s
